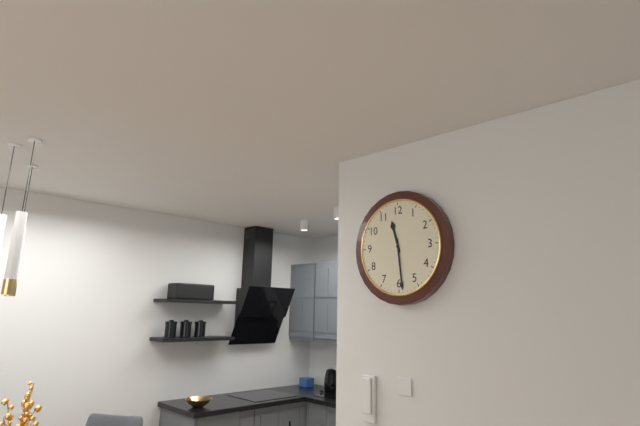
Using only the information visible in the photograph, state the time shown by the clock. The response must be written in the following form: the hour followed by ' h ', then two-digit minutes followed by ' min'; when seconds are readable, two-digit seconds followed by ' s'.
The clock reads 11 h 29 min
